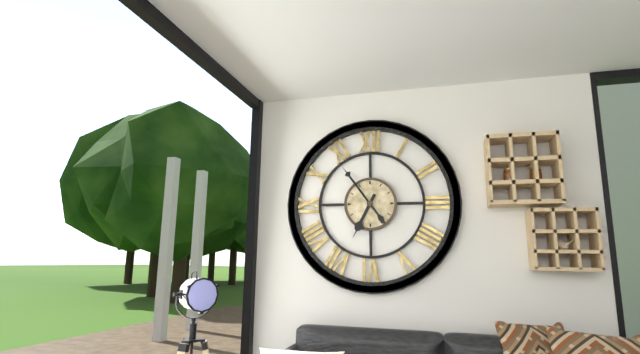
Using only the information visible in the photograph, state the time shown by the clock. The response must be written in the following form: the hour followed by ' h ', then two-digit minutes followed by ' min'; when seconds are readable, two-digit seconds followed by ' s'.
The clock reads 6 h 54 min
